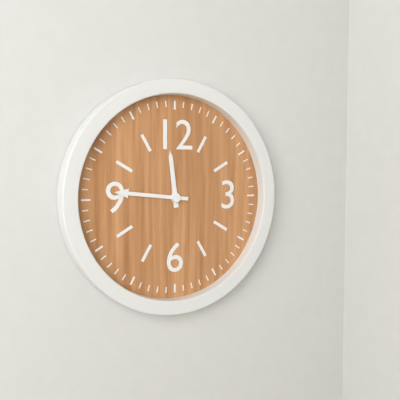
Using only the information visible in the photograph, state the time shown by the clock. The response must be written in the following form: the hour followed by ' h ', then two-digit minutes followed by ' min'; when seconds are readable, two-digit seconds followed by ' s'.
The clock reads 11 h 46 min
